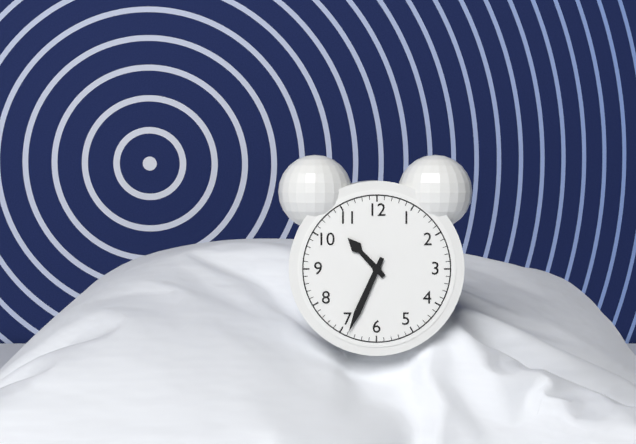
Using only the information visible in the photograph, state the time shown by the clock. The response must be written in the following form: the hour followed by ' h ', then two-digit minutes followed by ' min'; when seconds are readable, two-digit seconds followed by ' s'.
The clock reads 10 h 34 min
